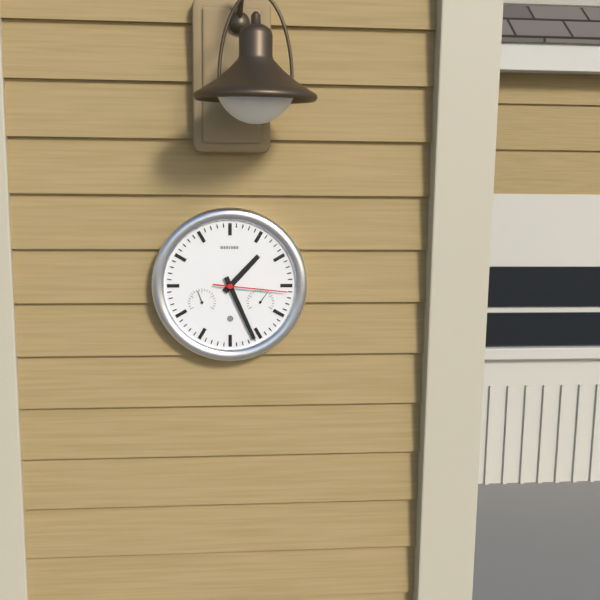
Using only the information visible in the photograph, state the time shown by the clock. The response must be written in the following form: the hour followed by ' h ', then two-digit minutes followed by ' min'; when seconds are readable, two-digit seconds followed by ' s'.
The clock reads 1 h 26 min 16 s
